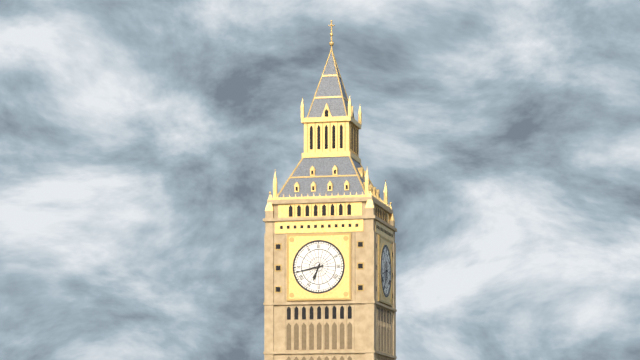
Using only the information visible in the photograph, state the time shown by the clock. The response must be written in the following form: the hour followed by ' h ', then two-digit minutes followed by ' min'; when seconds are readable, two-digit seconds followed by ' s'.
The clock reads 6 h 43 min
